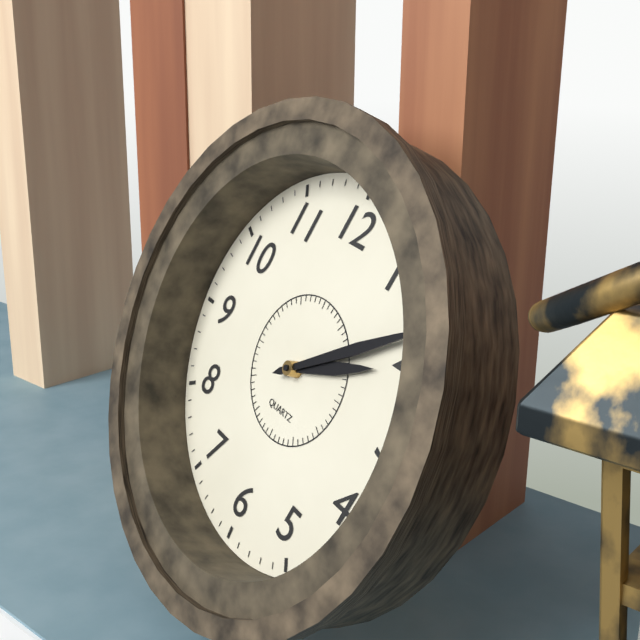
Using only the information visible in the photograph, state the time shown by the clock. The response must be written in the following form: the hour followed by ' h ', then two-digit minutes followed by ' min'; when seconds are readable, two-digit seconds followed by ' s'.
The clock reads 2 h 09 min
